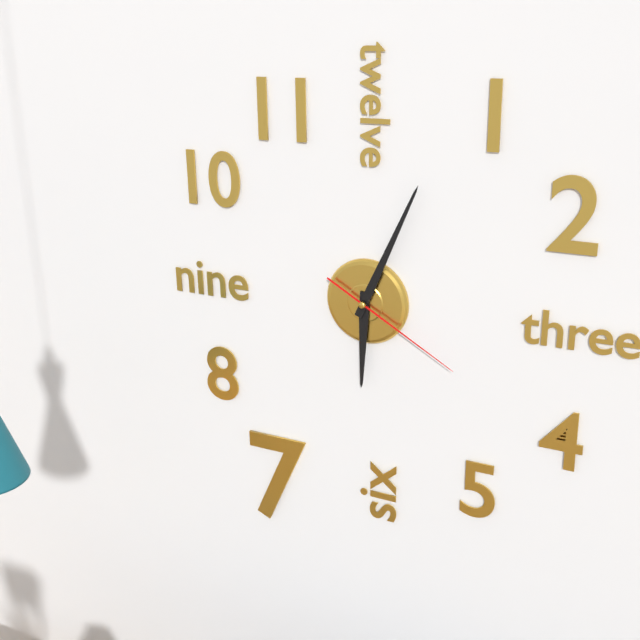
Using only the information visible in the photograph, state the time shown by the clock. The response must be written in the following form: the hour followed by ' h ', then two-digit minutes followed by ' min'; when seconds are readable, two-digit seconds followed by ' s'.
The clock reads 6 h 04 min 20 s
